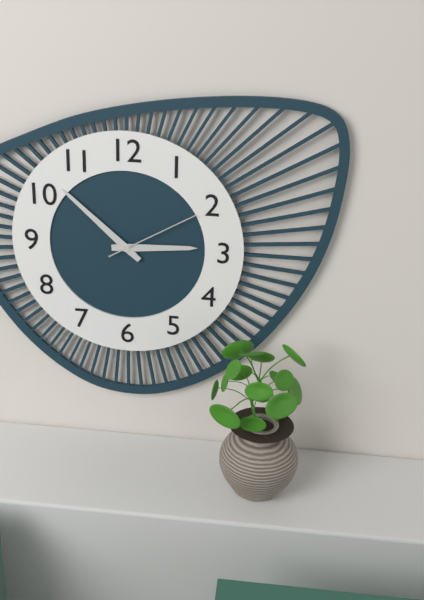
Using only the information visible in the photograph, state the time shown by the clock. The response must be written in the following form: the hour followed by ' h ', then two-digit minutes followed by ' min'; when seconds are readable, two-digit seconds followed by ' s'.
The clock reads 2 h 52 min 10 s
